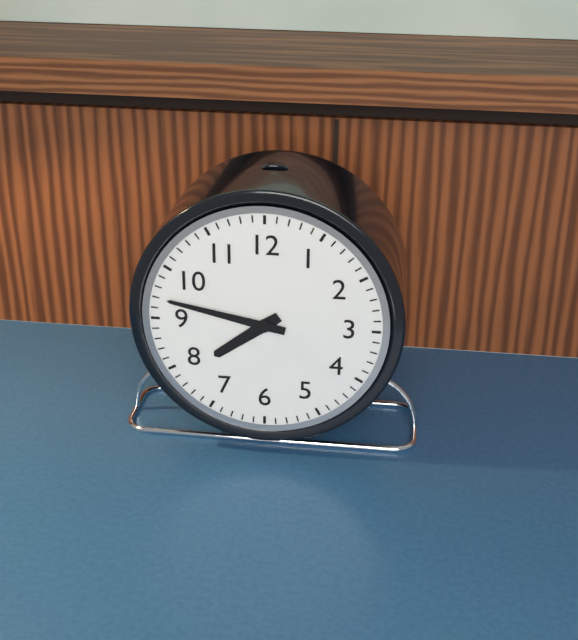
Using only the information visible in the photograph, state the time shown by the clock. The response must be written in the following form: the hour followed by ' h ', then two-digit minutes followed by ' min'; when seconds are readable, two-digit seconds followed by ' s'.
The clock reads 7 h 47 min
